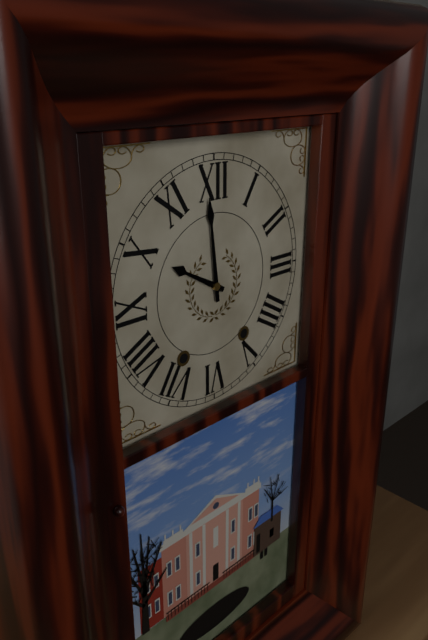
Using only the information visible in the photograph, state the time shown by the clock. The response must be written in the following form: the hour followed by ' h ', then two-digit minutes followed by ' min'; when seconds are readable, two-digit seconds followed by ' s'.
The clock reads 9 h 59 min
